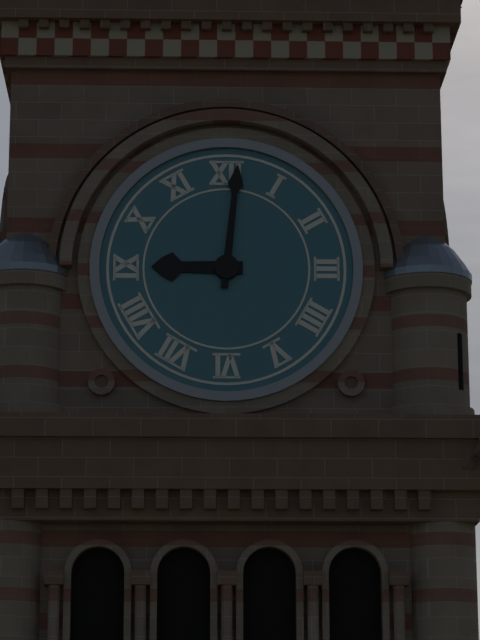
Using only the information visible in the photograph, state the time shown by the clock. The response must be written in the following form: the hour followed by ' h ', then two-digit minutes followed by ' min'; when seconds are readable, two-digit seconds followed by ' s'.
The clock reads 9 h 01 min
